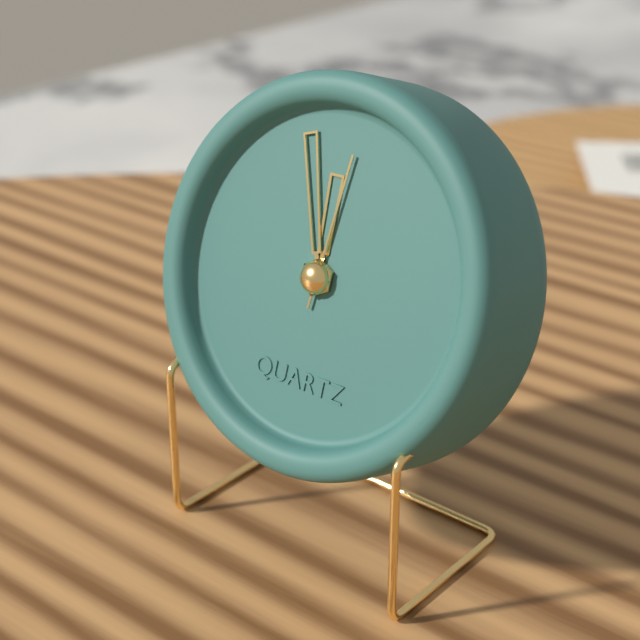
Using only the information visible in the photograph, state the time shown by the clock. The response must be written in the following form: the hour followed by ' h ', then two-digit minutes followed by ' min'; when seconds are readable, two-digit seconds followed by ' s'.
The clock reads 11 h 57 min 01 s
